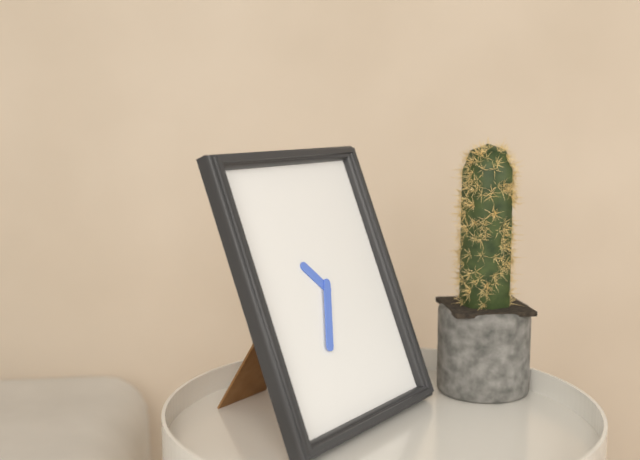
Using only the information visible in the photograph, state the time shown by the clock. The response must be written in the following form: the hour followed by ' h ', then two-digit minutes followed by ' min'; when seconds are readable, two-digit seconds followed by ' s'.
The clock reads 10 h 34 min
